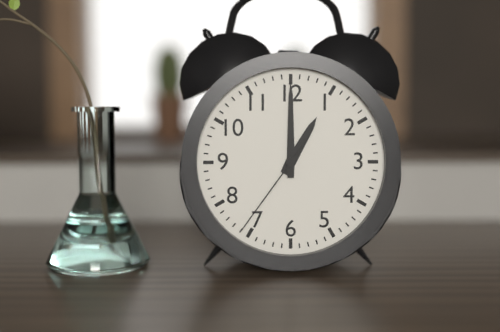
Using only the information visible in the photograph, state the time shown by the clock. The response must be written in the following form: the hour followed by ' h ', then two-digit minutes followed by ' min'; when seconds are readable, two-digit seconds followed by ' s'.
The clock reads 1 h 00 min 36 s
